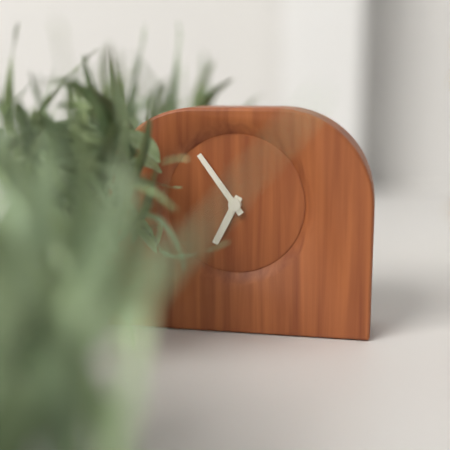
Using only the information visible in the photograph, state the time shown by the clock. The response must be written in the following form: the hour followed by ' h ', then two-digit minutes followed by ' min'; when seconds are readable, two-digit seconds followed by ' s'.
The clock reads 6 h 54 min
